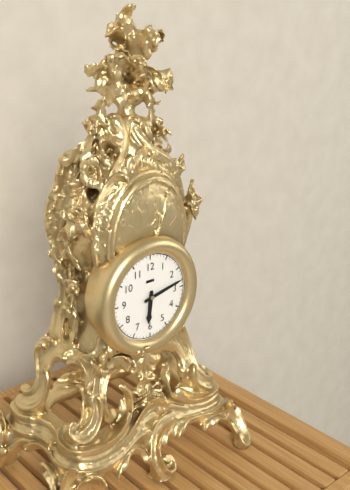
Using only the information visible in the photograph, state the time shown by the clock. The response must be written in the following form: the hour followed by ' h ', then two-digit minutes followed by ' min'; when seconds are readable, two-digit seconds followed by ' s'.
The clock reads 6 h 13 min
